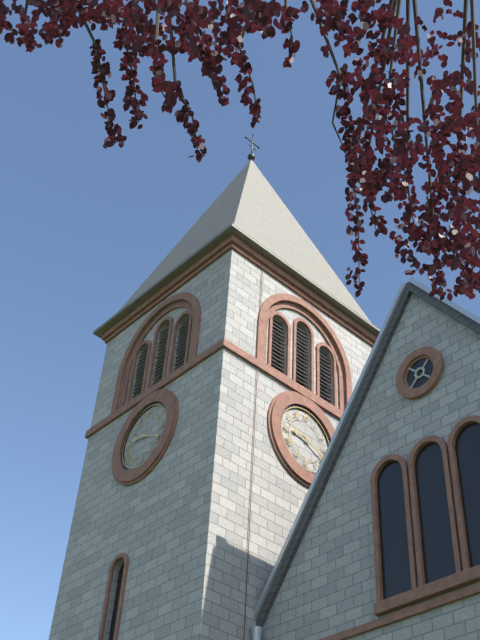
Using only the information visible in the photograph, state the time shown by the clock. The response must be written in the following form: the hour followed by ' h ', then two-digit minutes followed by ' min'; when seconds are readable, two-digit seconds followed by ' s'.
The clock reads 9 h 19 min
